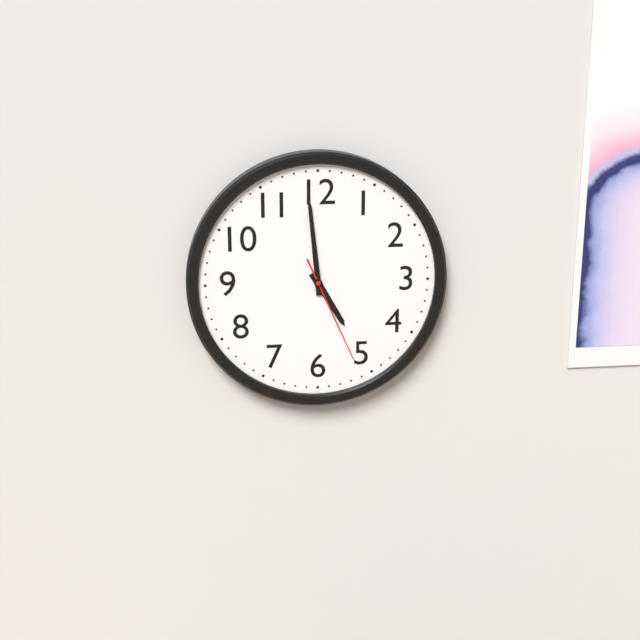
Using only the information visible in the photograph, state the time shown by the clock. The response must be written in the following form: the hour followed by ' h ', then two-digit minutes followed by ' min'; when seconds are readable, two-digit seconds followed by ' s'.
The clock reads 4 h 59 min 26 s
